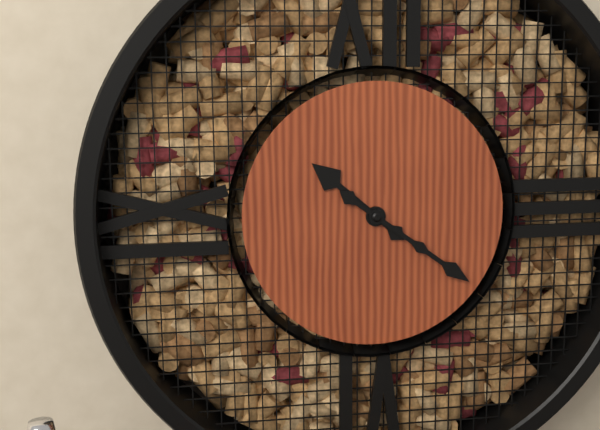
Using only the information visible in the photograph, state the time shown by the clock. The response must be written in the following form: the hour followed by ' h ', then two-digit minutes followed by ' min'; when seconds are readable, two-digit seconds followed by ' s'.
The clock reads 10 h 21 min
